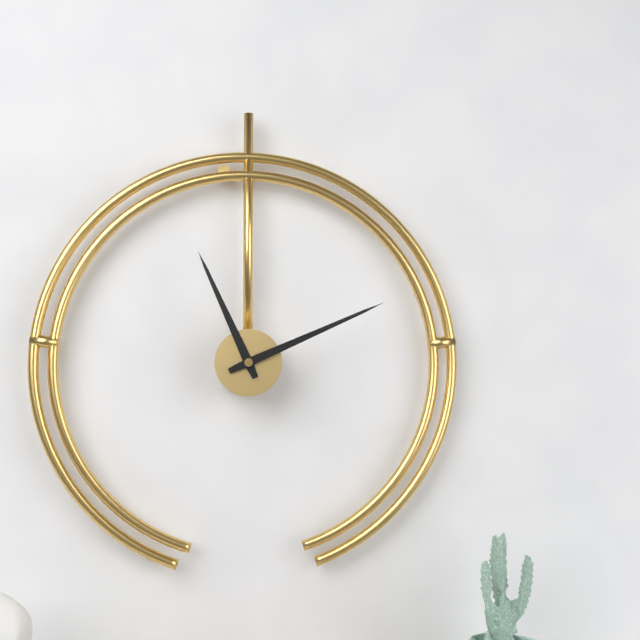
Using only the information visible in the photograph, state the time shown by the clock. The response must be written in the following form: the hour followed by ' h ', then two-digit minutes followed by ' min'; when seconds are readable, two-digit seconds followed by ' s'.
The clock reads 11 h 11 min
